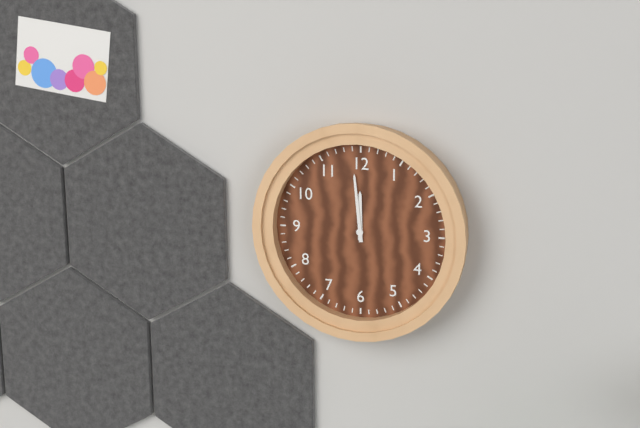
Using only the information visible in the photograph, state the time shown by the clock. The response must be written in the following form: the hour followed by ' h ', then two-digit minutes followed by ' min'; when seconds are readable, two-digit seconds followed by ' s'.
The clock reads 11 h 59 min
